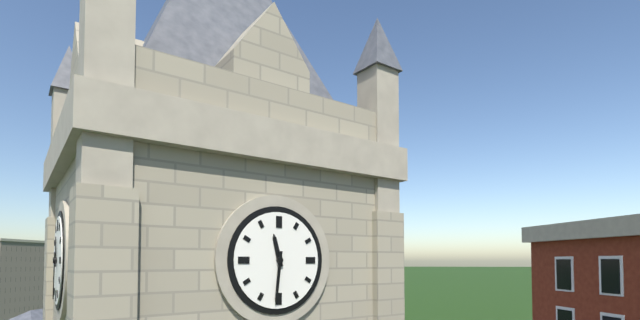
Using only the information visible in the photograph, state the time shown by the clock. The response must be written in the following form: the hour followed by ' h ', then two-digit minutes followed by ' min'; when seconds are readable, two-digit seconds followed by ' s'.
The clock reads 11 h 31 min
